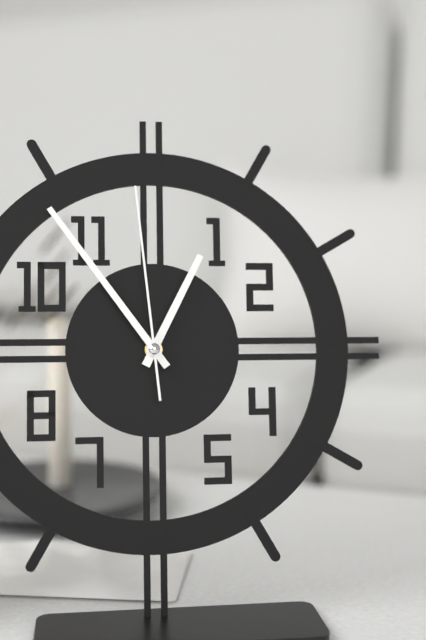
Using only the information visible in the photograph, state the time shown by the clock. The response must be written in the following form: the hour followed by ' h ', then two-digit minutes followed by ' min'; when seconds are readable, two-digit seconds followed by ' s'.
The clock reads 12 h 54 min 59 s
